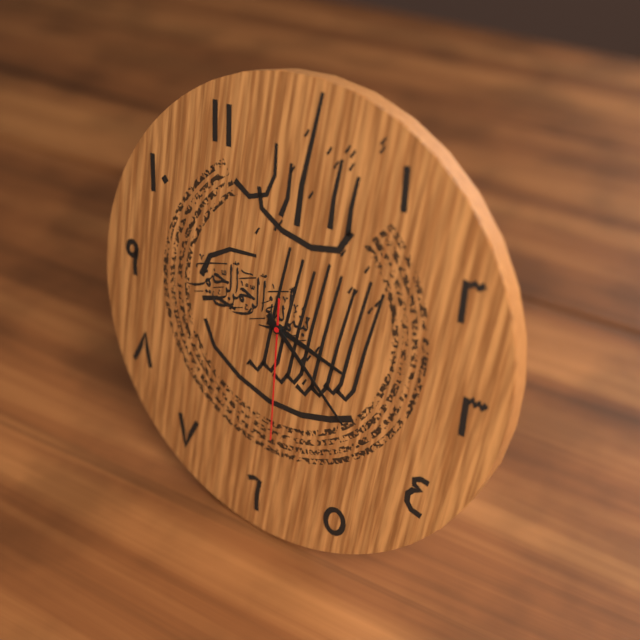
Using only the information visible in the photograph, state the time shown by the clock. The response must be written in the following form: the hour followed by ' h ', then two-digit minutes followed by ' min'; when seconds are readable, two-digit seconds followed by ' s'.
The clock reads 3 h 21 min 29 s
